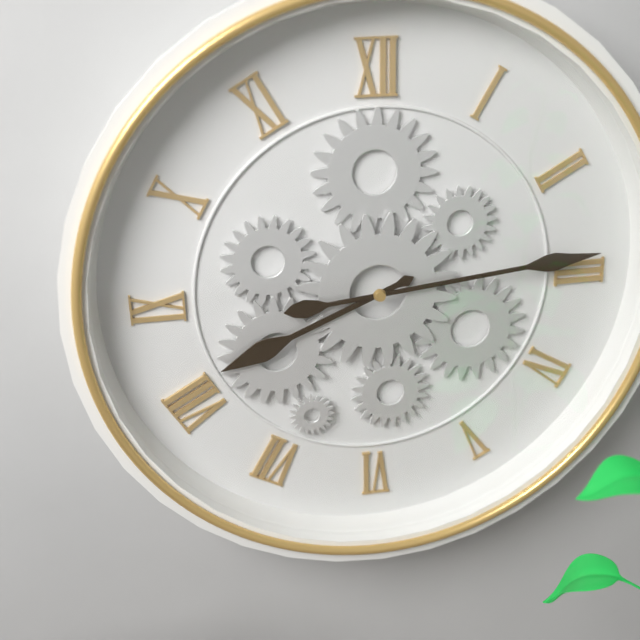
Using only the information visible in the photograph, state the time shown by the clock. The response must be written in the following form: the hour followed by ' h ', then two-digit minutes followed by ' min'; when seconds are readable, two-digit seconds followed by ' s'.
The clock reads 8 h 14 min
